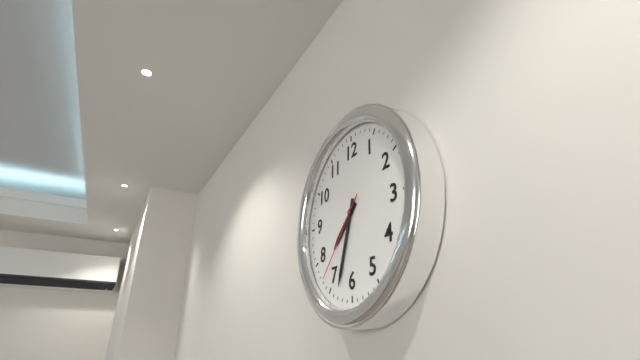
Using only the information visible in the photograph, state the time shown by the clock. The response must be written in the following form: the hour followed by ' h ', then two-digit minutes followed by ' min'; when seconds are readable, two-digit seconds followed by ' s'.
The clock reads 7 h 33 min 37 s
